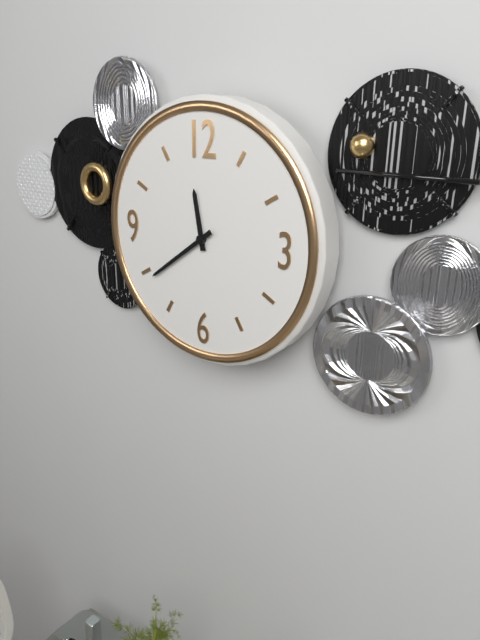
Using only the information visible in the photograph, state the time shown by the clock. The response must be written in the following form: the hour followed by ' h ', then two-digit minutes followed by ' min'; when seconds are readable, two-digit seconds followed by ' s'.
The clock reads 11 h 39 min
